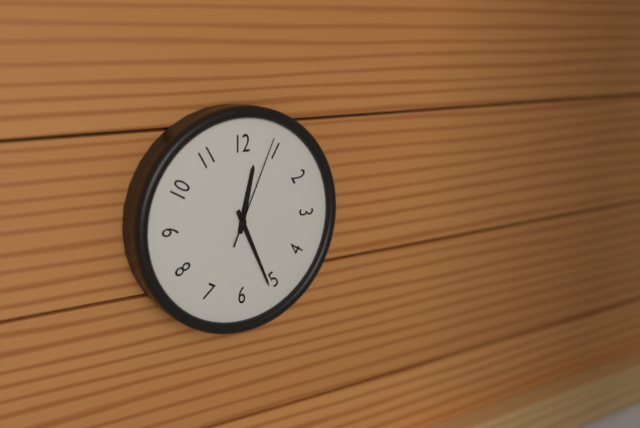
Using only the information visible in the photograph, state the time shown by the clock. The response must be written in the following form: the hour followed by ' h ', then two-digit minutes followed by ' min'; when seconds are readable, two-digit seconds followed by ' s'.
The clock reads 12 h 26 min 04 s
